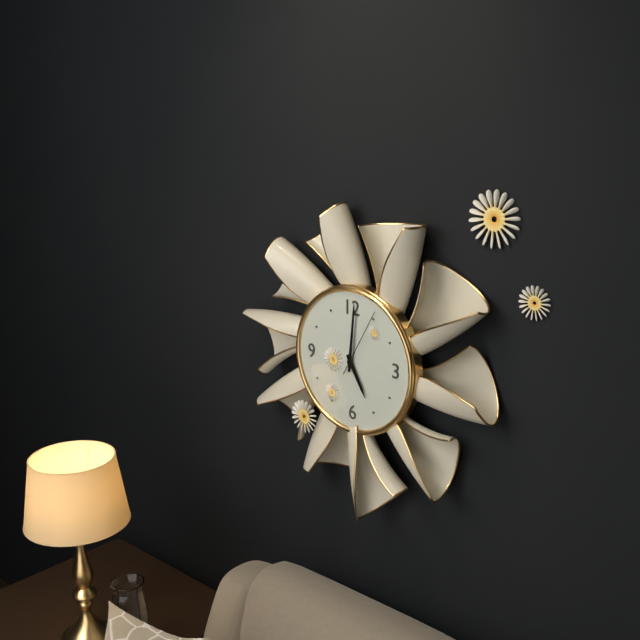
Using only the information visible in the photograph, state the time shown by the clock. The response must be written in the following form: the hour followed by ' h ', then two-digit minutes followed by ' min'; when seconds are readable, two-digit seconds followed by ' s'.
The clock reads 5 h 01 min 05 s
